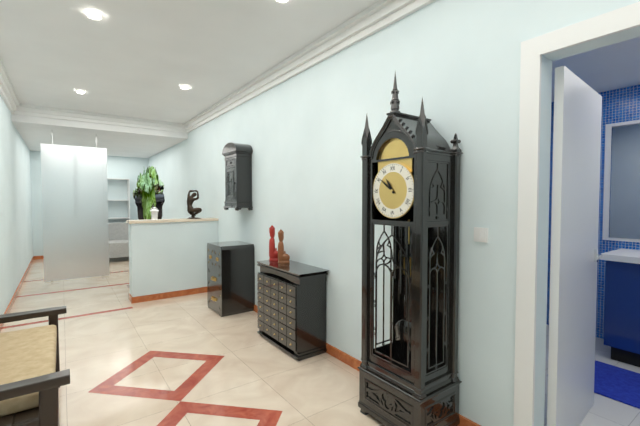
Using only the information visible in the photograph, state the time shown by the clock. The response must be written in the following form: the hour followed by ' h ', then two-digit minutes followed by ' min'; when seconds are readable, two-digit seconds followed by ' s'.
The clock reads 10 h 51 min
